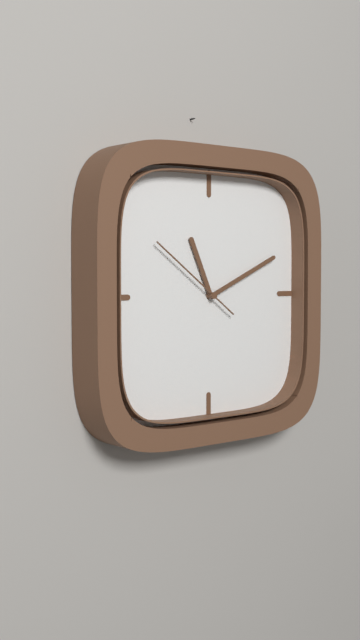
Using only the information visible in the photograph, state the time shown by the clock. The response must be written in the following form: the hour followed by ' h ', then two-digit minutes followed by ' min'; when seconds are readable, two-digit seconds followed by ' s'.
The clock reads 11 h 11 min 51 s
